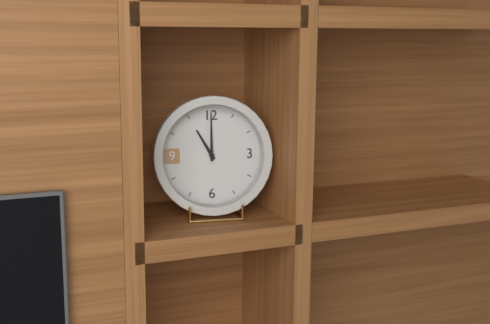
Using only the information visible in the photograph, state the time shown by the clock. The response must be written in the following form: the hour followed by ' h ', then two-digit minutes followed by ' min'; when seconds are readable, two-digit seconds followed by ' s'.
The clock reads 11 h 00 min
